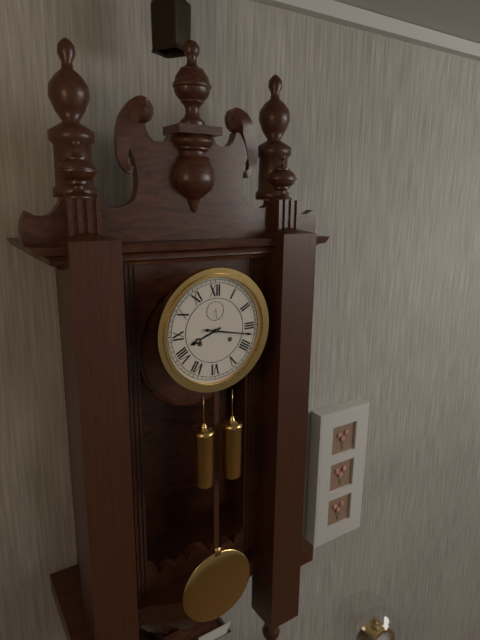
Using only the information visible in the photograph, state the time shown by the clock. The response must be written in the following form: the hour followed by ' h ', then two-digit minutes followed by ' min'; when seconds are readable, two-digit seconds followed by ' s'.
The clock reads 8 h 17 min
